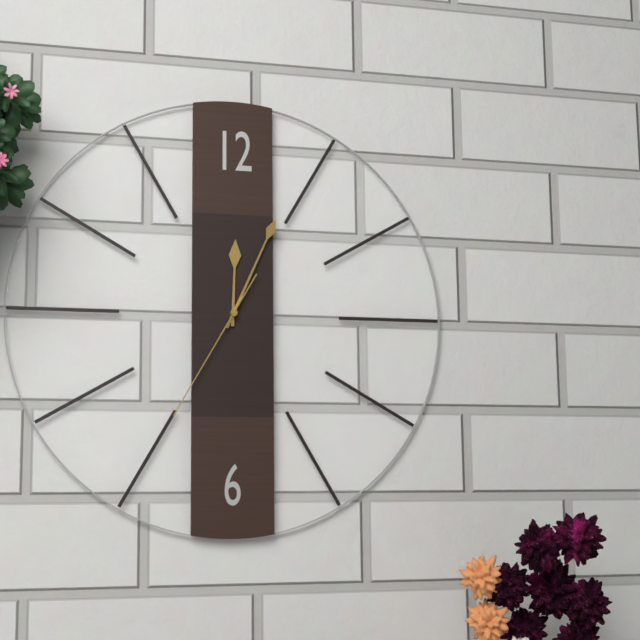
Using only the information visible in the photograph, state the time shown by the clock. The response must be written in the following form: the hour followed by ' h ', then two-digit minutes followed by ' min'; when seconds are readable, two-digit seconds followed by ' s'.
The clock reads 12 h 04 min 35 s
